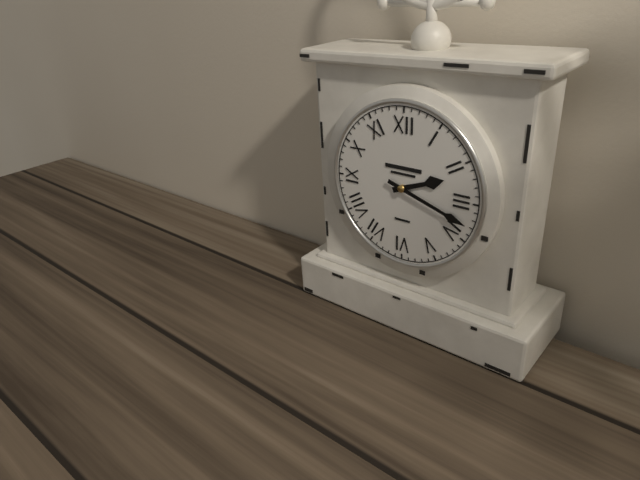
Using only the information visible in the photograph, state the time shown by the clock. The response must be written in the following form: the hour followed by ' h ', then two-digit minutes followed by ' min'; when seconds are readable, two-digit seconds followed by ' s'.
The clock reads 2 h 18 min
